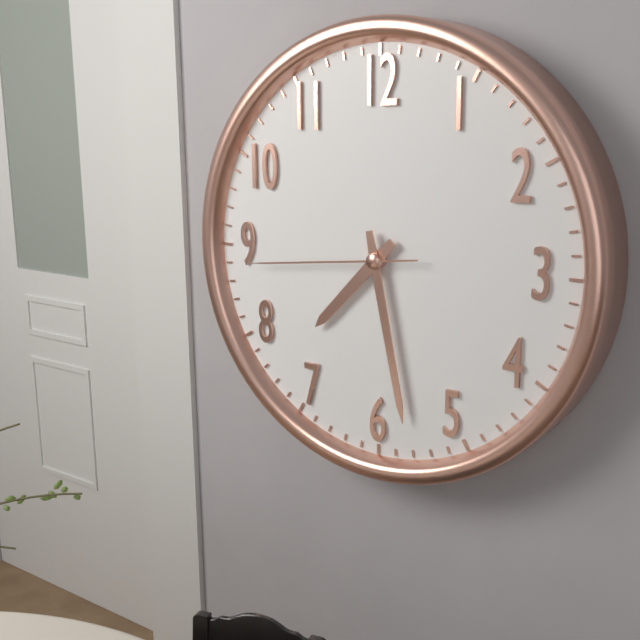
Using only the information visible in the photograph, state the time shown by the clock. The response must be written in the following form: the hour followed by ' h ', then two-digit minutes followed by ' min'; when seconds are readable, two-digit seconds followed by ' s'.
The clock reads 7 h 28 min 44 s
